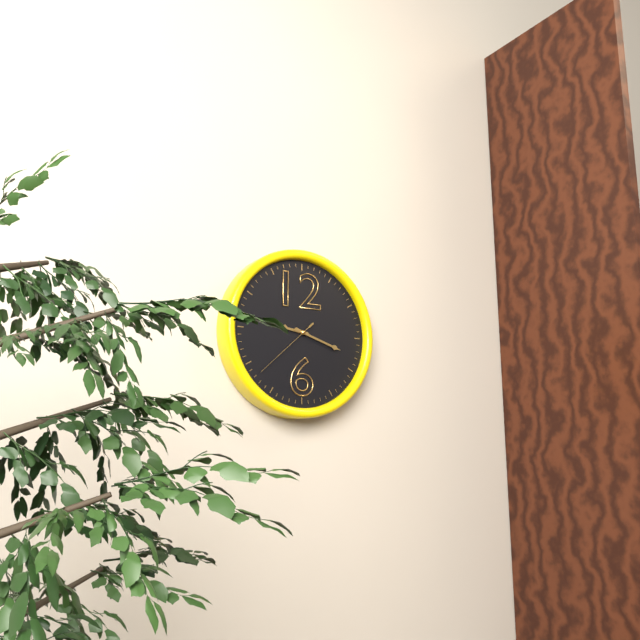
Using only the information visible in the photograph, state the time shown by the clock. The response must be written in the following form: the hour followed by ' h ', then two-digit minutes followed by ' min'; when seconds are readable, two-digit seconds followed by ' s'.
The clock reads 9 h 18 min 38 s
